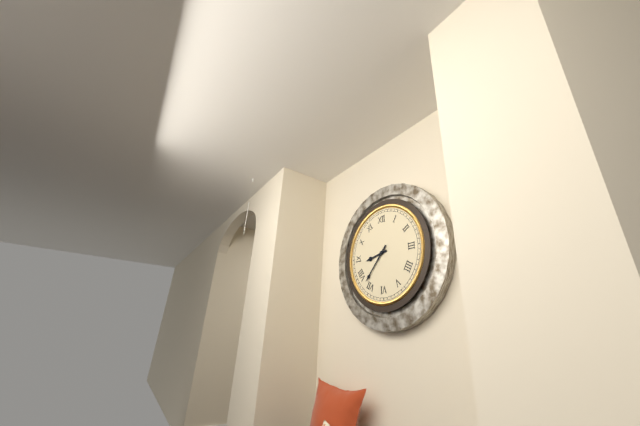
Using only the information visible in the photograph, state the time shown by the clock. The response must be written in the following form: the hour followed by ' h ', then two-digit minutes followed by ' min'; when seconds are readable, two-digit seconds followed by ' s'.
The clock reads 8 h 37 min
